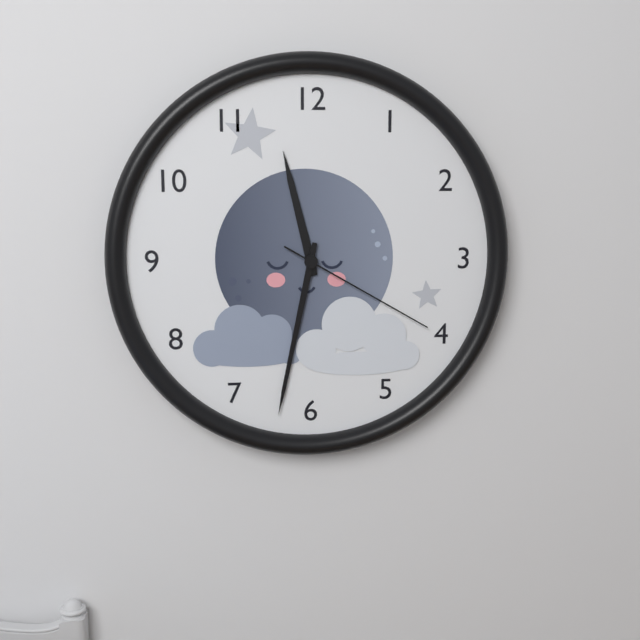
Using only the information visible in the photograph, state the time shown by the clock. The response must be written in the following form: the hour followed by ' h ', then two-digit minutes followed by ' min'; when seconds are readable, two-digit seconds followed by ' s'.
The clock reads 11 h 32 min 20 s
